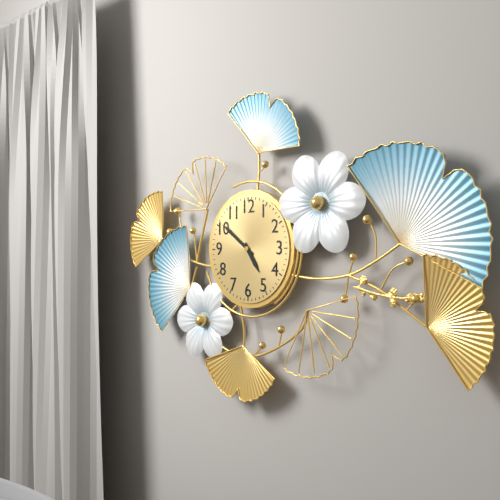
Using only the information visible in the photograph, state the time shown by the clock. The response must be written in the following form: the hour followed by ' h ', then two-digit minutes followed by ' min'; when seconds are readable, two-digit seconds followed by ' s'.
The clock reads 4 h 51 min
